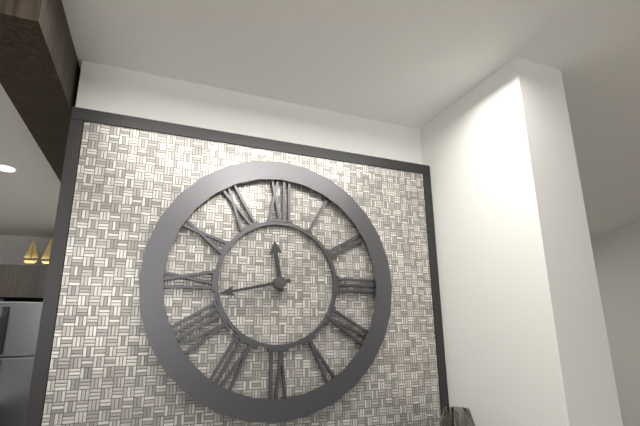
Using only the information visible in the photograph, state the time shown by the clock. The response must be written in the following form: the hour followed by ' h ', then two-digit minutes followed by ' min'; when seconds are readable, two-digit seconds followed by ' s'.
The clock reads 11 h 43 min
